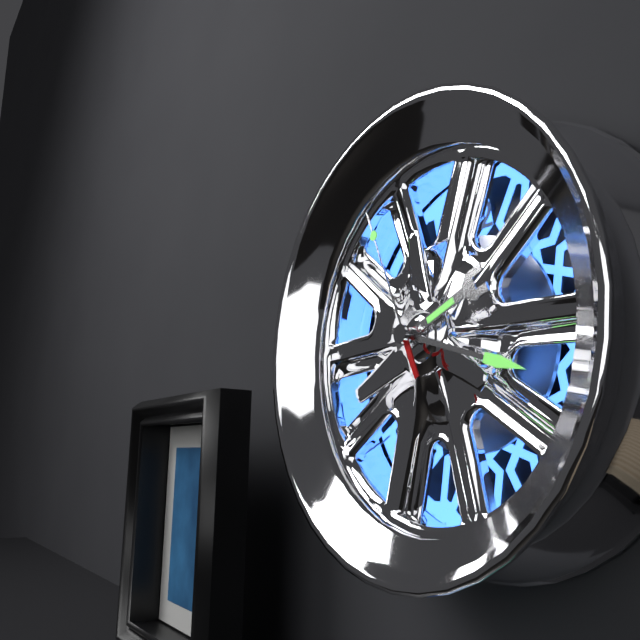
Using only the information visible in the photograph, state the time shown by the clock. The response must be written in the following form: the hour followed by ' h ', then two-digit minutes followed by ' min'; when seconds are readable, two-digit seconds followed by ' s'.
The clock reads 2 h 18 min 56 s
